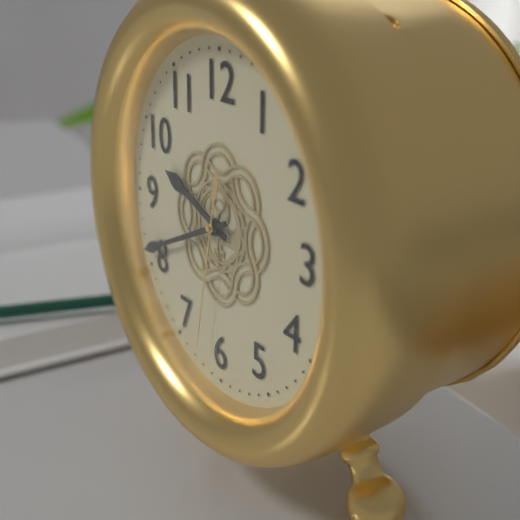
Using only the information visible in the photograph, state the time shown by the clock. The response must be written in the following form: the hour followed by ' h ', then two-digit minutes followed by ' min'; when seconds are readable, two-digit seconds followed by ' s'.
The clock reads 9 h 41 min 32 s
